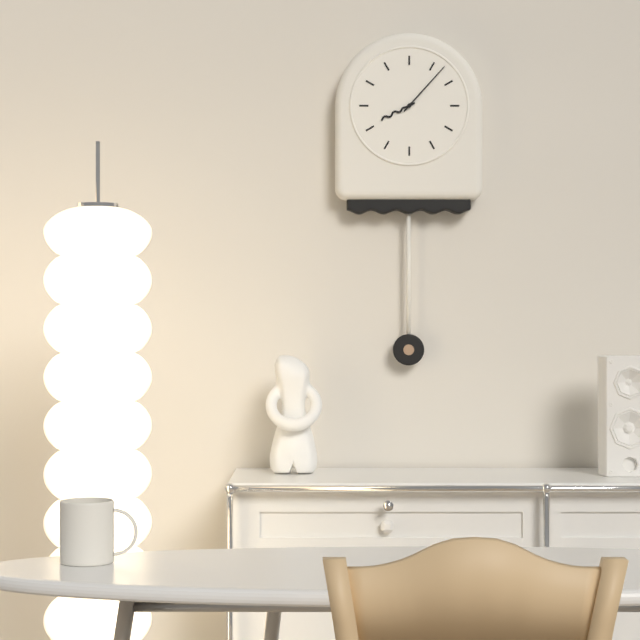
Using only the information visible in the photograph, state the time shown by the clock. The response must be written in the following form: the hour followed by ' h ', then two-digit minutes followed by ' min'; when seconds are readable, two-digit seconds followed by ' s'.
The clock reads 8 h 07 min
